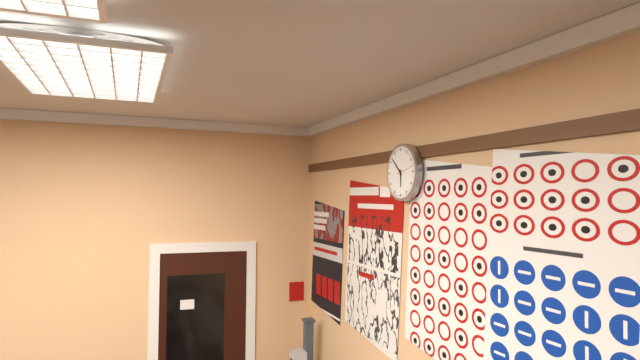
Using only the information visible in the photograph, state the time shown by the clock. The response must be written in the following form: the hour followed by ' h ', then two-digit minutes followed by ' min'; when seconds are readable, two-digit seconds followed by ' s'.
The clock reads 5 h 52 min
